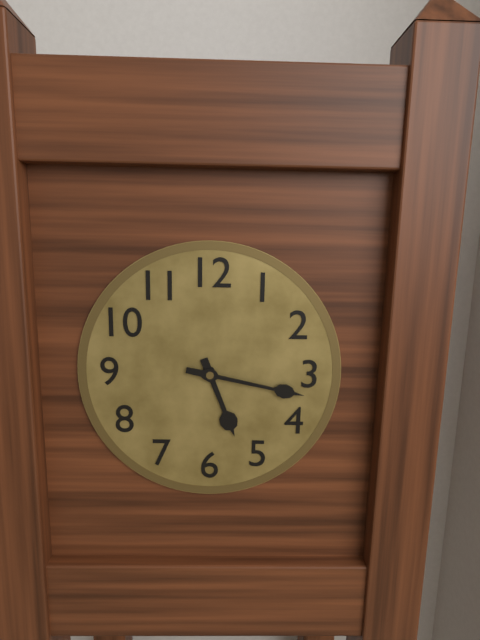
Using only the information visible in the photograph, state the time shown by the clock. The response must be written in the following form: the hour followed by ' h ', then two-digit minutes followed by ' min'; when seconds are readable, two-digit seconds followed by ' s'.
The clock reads 5 h 17 min
